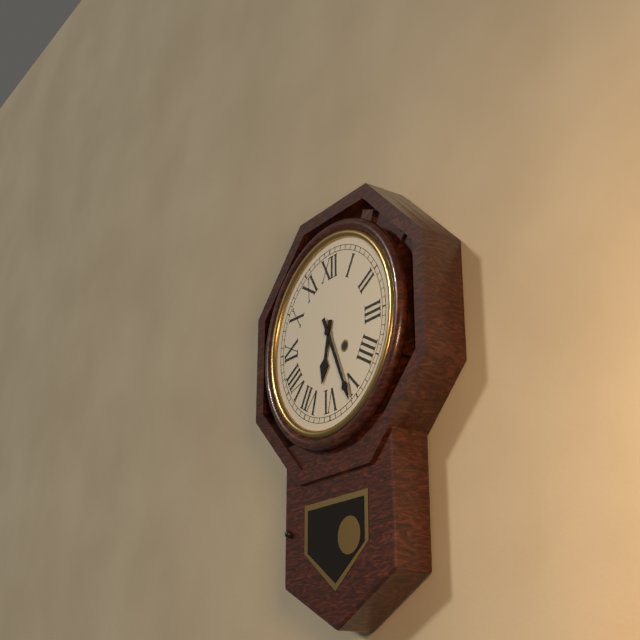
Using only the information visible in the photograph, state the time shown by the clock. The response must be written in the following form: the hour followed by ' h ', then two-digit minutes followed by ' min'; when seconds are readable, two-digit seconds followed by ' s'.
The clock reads 6 h 26 min
